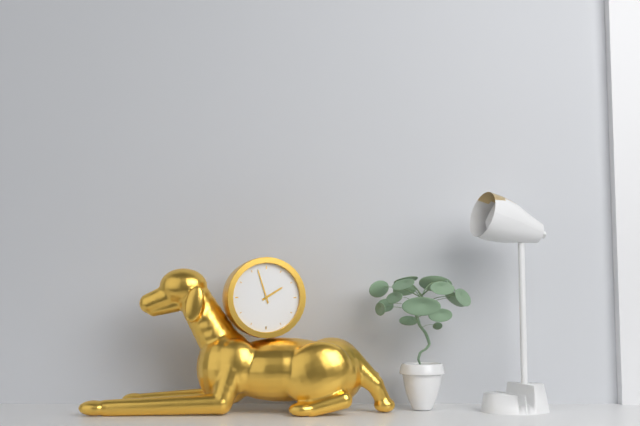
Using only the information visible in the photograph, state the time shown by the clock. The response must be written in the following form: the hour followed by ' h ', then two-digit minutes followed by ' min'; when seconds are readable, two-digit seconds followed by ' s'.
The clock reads 1 h 57 min
